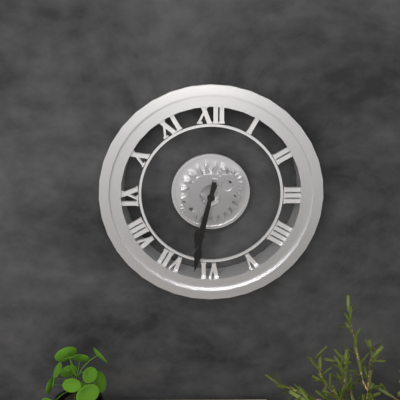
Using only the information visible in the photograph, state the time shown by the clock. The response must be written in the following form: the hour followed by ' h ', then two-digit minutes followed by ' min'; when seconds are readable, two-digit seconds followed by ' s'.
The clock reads 6 h 32 min
